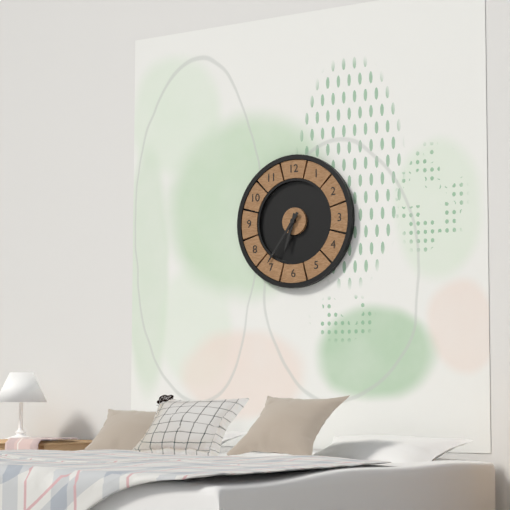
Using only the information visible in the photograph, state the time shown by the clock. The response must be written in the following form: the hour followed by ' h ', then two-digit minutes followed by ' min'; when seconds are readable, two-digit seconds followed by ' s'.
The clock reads 6 h 36 min
